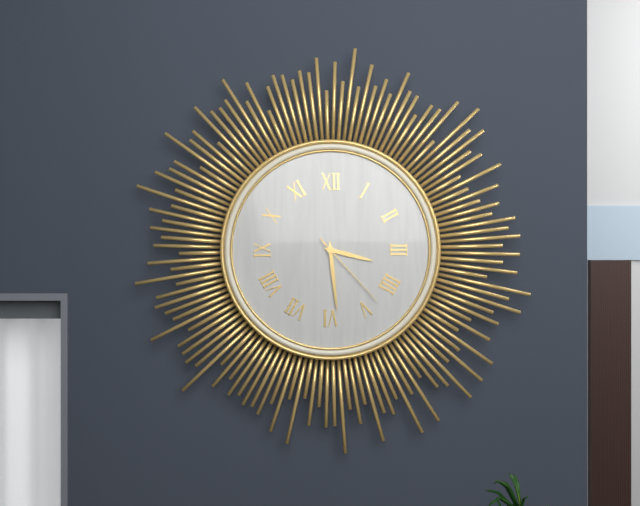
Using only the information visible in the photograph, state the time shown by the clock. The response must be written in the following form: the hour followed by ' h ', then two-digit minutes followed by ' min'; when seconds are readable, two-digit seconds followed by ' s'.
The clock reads 3 h 29 min 23 s
